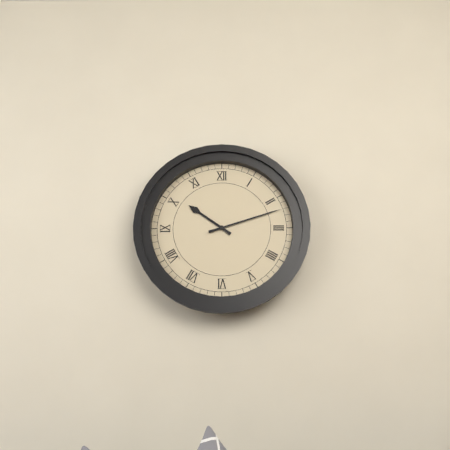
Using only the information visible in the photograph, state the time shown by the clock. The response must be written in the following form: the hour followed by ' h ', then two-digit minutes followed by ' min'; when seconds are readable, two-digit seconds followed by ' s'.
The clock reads 10 h 12 min
